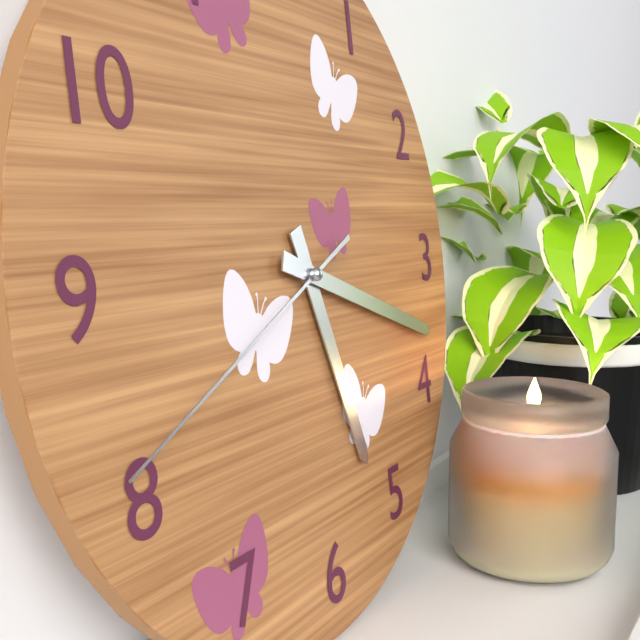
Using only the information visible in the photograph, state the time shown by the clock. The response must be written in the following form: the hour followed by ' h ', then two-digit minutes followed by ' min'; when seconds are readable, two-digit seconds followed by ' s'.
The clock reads 5 h 18 min 41 s
